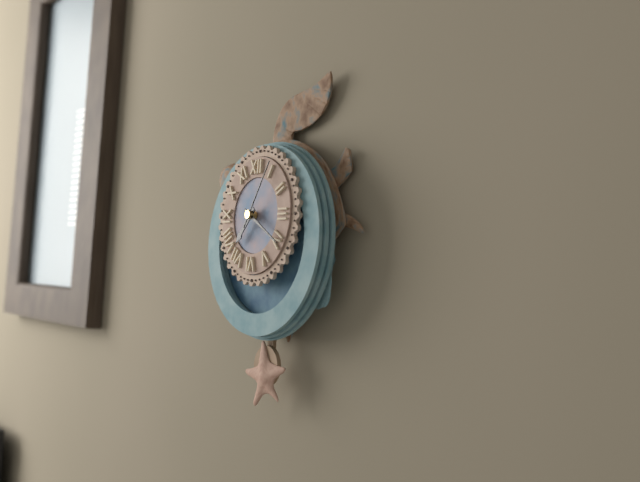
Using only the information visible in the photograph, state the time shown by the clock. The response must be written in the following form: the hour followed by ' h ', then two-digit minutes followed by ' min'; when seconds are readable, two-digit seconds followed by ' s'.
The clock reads 7 h 20 min 05 s
